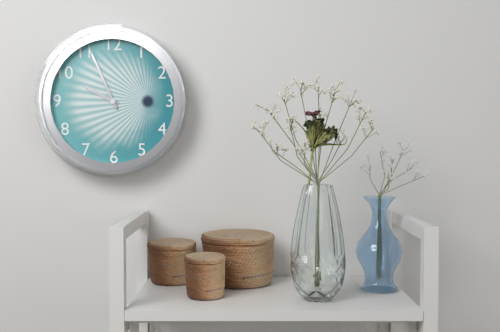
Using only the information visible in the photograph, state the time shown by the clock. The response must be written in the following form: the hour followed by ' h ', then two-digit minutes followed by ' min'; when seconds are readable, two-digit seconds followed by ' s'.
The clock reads 9 h 56 min
